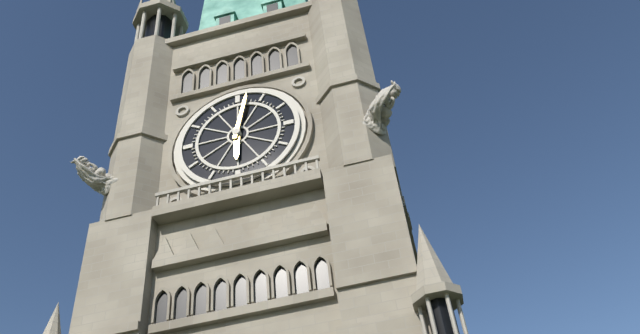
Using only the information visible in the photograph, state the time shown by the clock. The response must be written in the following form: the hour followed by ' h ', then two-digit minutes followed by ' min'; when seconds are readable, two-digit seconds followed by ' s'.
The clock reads 6 h 02 min
